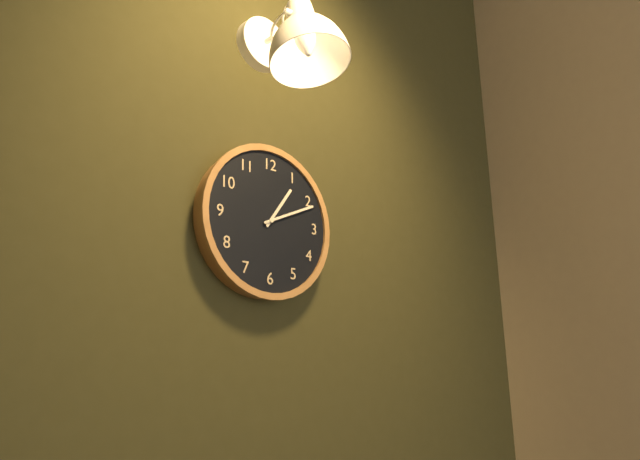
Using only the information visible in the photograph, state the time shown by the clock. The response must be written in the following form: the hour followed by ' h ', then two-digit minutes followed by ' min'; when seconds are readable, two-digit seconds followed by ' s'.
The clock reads 1 h 11 min
